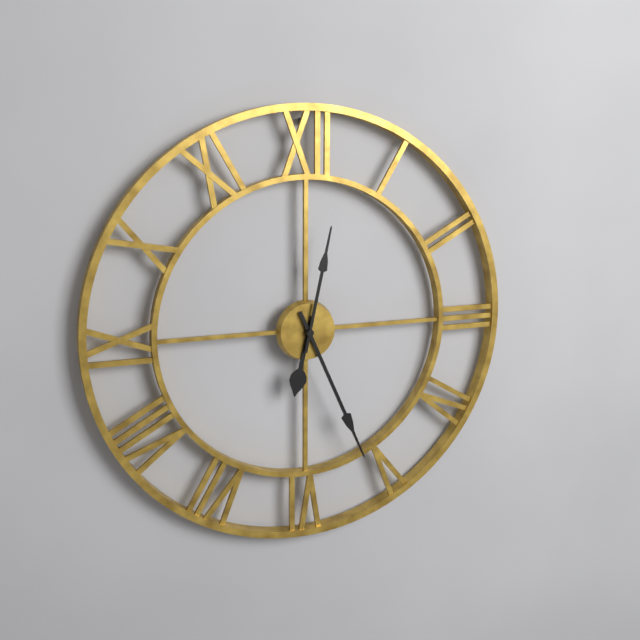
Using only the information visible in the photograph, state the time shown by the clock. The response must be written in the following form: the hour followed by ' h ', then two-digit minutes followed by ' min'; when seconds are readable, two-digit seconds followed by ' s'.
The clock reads 6 h 26 min 02 s
